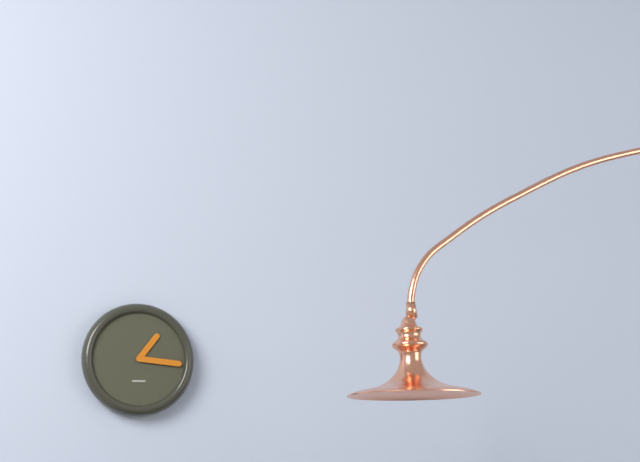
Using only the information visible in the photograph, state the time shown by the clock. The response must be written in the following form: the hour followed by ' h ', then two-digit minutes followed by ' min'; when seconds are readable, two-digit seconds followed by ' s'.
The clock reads 1 h 16 min
